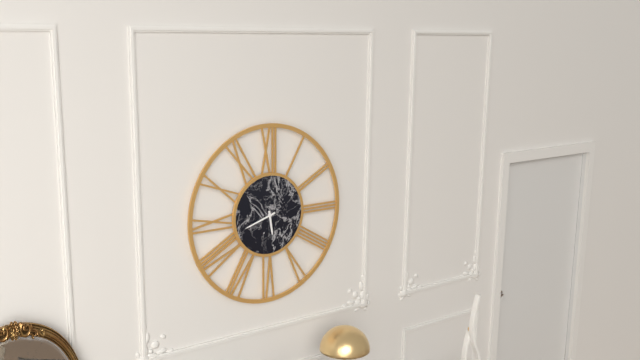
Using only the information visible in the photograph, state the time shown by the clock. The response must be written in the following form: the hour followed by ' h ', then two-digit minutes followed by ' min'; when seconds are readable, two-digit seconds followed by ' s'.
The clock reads 5 h 42 min
